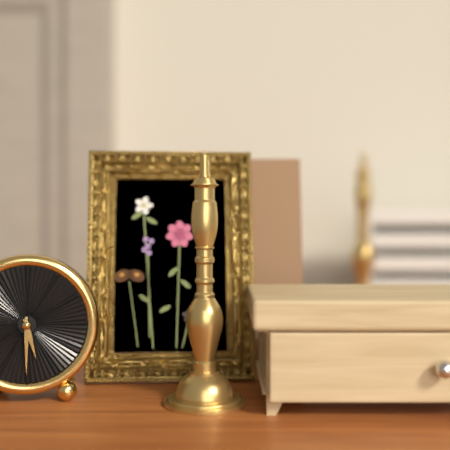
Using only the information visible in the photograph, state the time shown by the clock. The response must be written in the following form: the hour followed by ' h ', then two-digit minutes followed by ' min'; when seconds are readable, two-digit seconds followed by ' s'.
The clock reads 5 h 30 min
